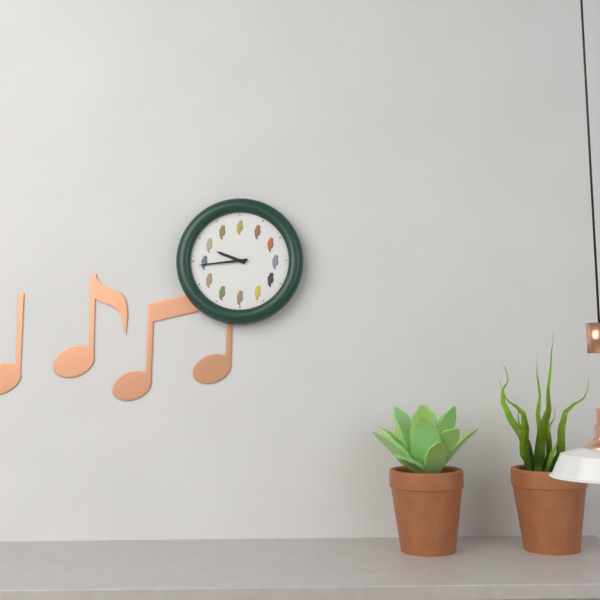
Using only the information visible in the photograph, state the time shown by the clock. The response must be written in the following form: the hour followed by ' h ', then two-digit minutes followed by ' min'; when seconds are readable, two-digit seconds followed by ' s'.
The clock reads 9 h 44 min
